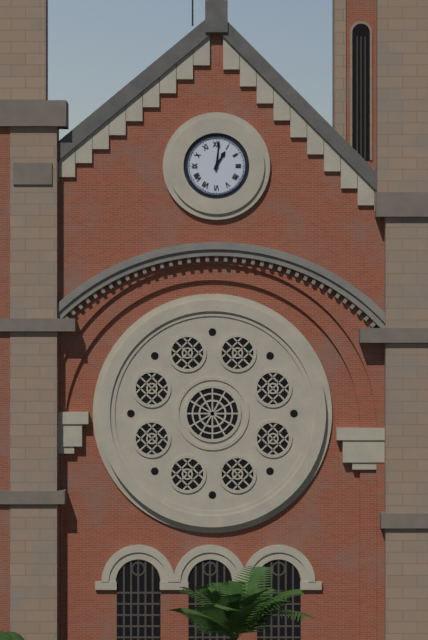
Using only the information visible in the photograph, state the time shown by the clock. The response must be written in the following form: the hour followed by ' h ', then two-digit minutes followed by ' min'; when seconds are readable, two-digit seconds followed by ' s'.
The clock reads 1 h 01 min
